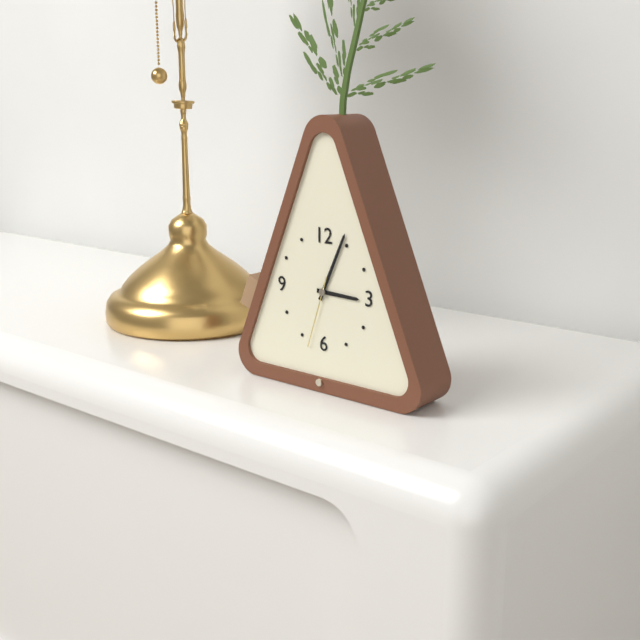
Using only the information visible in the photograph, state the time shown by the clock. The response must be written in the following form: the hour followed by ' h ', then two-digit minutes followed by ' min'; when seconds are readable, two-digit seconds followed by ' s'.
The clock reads 3 h 04 min 33 s
